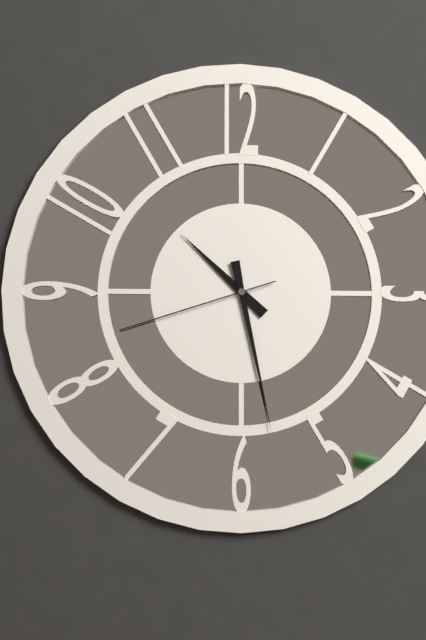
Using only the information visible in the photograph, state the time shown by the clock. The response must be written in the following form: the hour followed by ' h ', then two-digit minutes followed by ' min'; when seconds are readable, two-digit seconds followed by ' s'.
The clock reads 10 h 28 min 42 s
